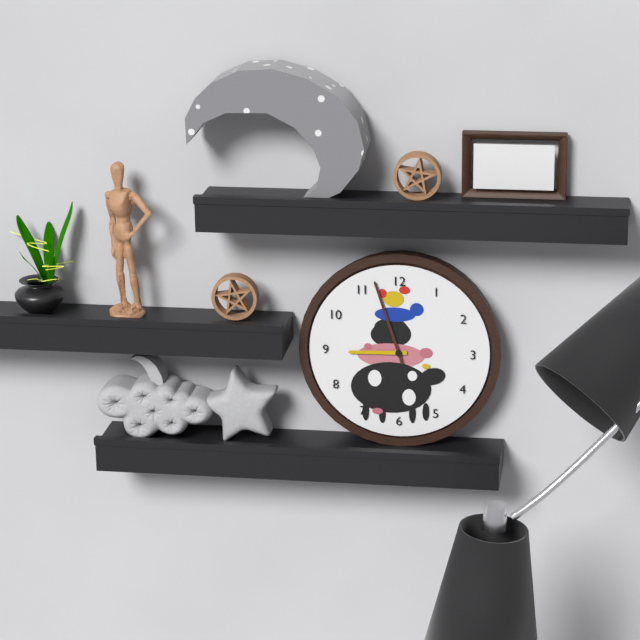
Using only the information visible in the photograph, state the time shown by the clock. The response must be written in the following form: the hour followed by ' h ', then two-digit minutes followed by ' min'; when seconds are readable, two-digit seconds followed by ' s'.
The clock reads 8 h 57 min
